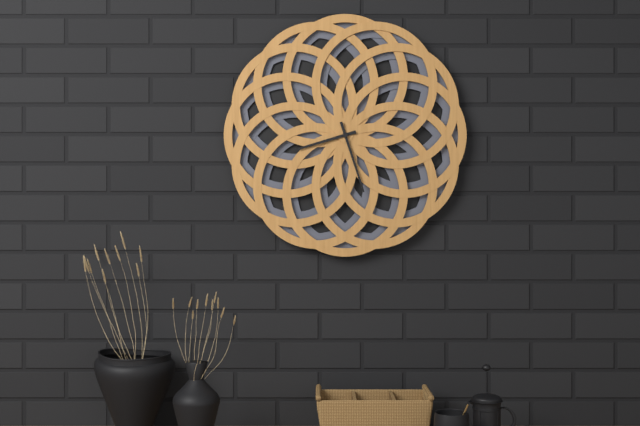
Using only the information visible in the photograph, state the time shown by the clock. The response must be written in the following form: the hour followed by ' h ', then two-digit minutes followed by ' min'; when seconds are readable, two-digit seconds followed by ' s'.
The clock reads 8 h 27 min
